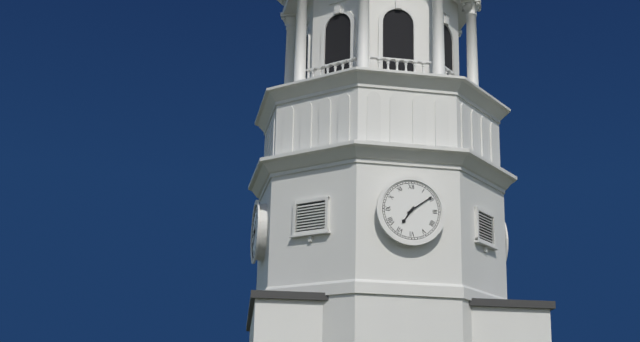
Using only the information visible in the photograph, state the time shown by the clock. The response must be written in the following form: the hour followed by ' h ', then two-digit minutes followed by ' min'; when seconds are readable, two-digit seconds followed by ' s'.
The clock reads 7 h 09 min
